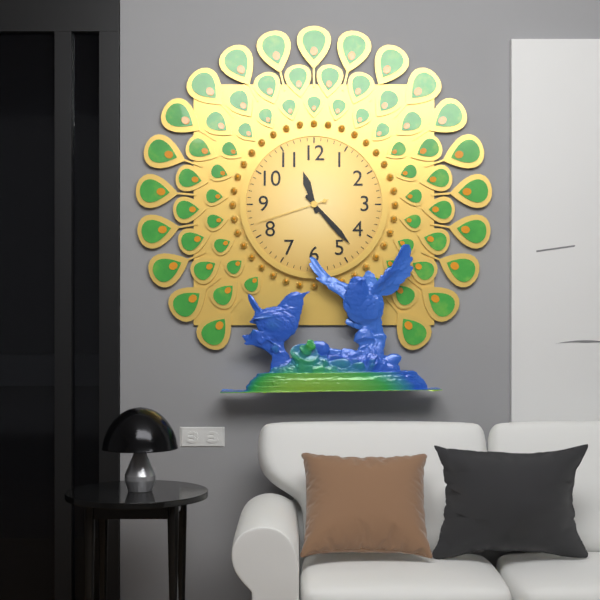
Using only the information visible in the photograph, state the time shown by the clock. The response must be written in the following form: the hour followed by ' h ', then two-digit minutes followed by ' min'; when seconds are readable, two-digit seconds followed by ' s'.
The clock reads 11 h 23 min 42 s
